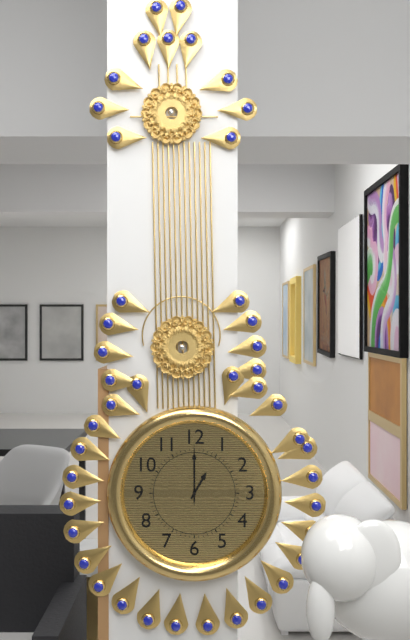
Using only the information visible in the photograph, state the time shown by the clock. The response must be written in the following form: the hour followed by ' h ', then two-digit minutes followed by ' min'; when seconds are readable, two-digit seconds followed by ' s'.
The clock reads 1 h 00 min 00 s
